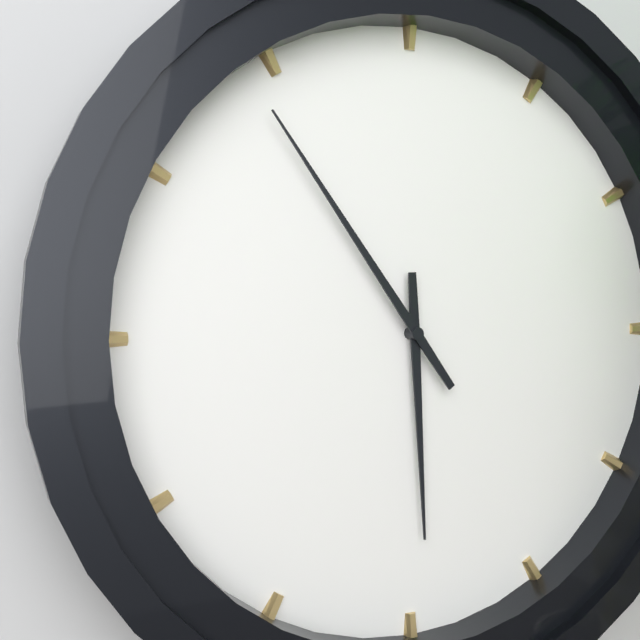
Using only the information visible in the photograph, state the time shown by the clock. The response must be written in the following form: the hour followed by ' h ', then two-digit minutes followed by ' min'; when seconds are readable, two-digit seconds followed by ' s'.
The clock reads 5 h 54 min
